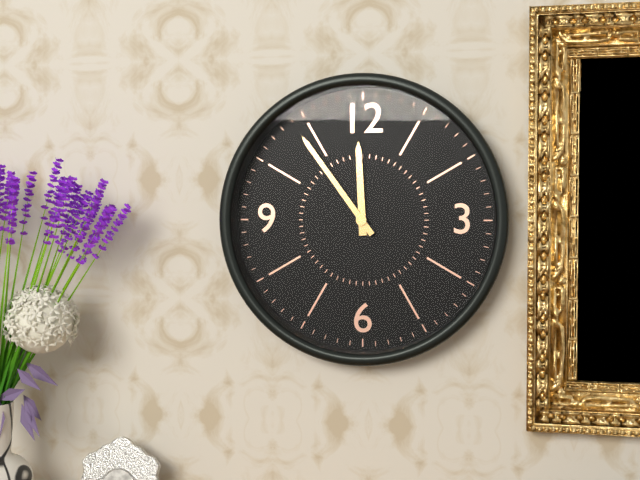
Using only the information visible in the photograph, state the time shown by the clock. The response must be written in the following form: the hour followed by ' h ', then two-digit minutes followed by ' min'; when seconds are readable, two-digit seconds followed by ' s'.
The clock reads 11 h 54 min
